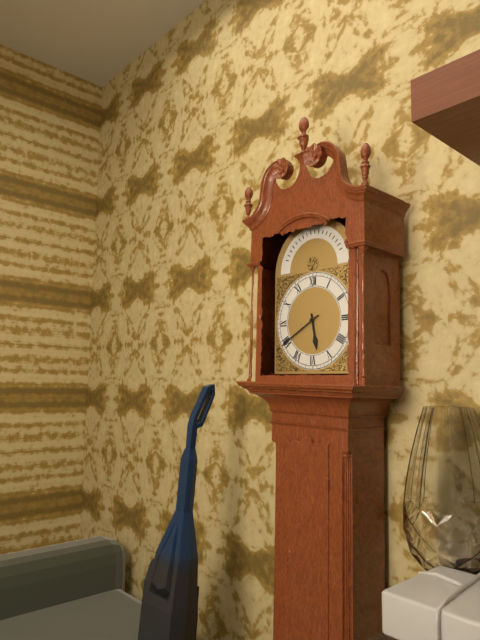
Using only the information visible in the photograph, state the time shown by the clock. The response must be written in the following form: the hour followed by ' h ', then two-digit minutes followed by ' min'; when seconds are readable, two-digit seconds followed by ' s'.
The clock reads 5 h 40 min
